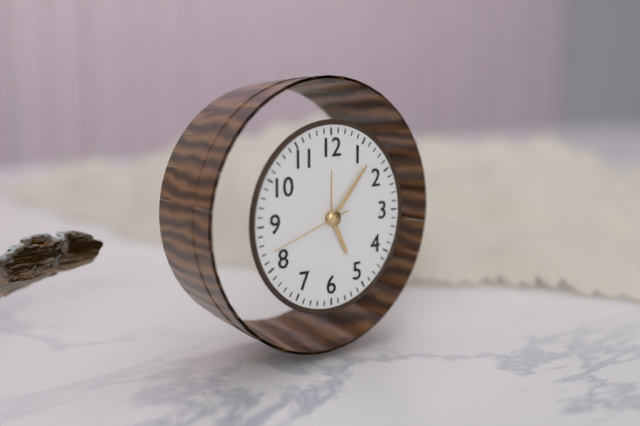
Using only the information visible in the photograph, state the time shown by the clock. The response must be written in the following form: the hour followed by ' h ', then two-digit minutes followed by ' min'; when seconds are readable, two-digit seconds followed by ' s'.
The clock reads 5 h 07 min 42 s
